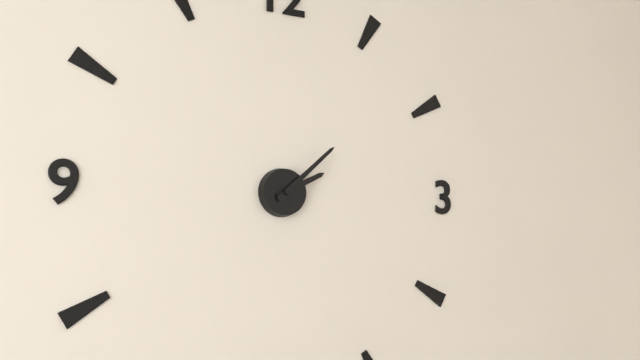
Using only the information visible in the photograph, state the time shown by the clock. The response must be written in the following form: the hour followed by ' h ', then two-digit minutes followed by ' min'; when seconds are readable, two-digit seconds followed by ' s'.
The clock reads 2 h 08 min
